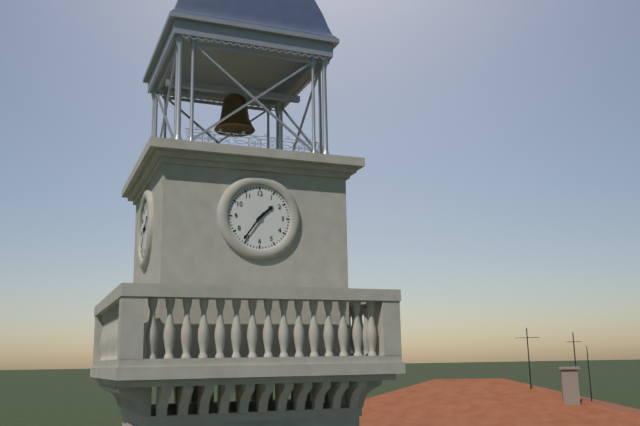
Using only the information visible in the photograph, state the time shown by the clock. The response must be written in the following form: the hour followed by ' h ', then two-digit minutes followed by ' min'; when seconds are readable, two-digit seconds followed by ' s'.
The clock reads 1 h 36 min
